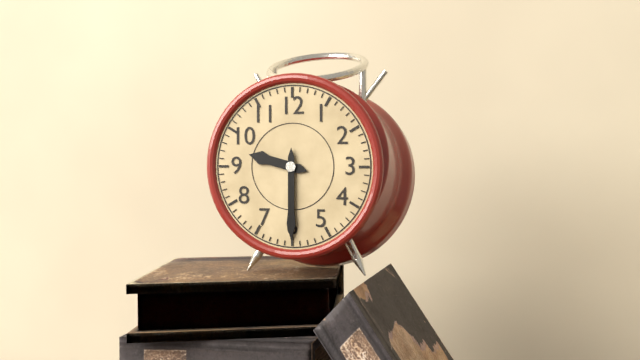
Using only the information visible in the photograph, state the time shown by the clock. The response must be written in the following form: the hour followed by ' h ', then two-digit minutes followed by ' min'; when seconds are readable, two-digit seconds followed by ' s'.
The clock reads 9 h 30 min
